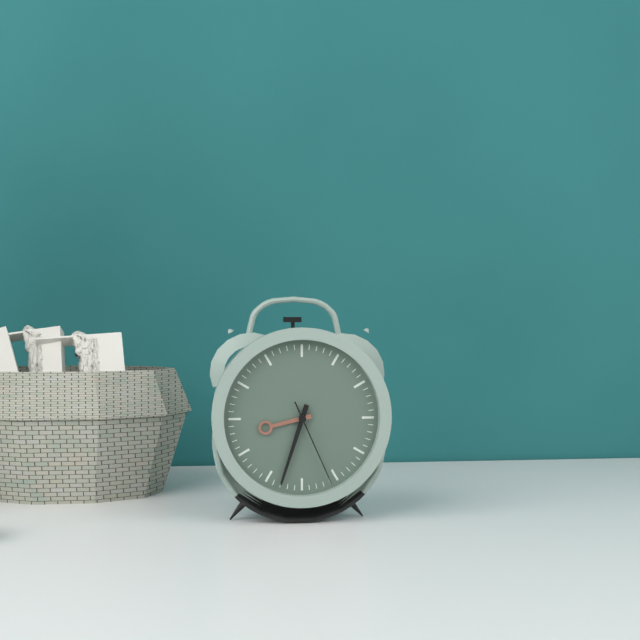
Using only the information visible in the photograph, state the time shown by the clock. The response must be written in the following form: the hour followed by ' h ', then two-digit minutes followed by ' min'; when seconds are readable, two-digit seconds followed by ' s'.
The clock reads 8 h 33 min 26 s
